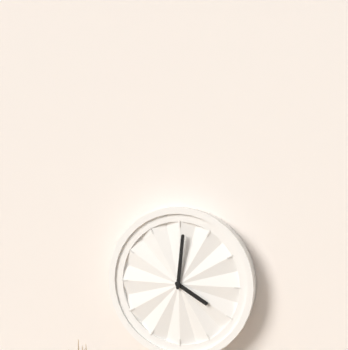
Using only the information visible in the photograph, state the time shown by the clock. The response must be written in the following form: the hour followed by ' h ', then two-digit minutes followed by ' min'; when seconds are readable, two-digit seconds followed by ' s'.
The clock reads 4 h 01 min
